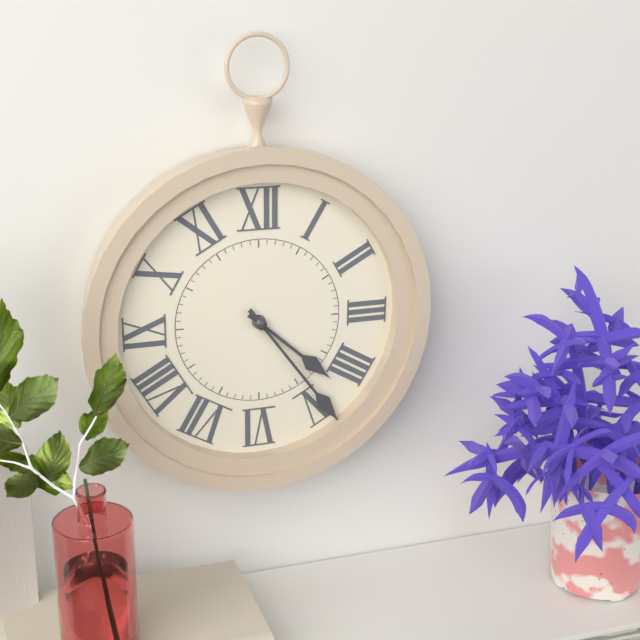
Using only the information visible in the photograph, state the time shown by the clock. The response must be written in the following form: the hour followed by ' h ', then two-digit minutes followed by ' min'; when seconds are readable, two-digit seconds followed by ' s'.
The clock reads 4 h 24 min
